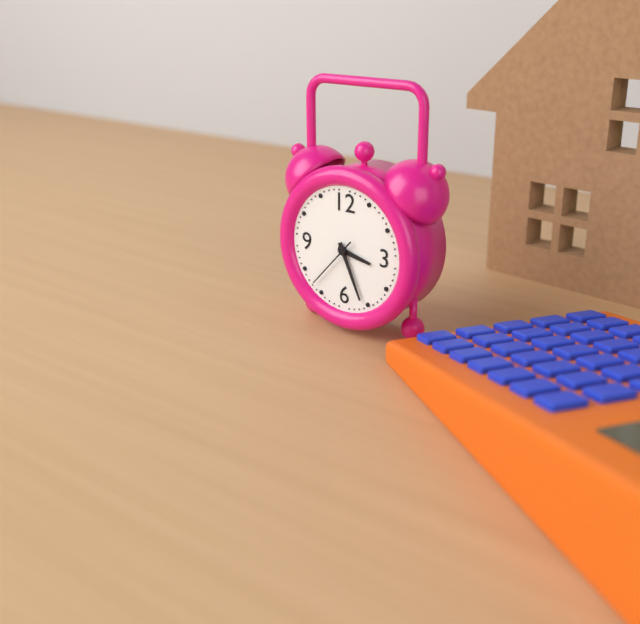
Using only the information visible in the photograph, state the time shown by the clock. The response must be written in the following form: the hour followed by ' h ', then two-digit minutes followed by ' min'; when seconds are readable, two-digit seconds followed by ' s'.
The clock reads 3 h 26 min 37 s
